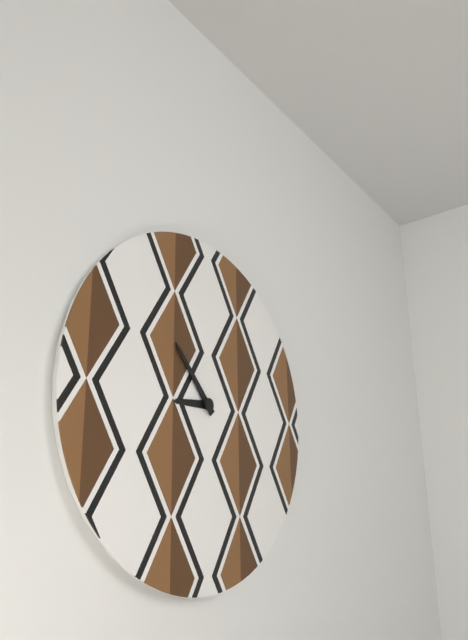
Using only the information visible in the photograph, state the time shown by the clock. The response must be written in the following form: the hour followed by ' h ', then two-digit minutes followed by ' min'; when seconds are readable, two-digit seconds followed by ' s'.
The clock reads 8 h 53 min
